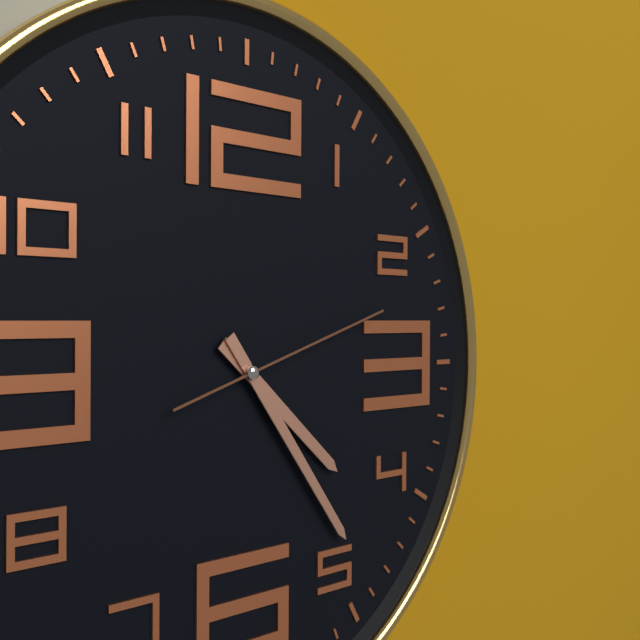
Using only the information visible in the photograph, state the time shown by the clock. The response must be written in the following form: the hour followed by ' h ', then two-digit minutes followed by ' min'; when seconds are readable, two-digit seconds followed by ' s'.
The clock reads 4 h 24 min 12 s
